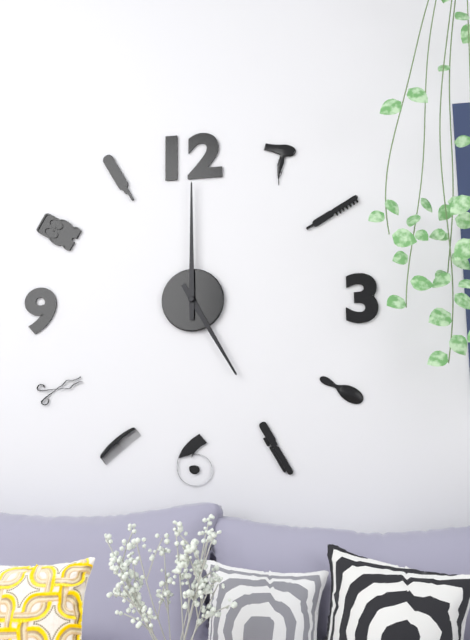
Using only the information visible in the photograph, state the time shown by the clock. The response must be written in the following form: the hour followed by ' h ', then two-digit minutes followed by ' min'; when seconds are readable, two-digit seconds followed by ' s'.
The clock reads 5 h 00 min
